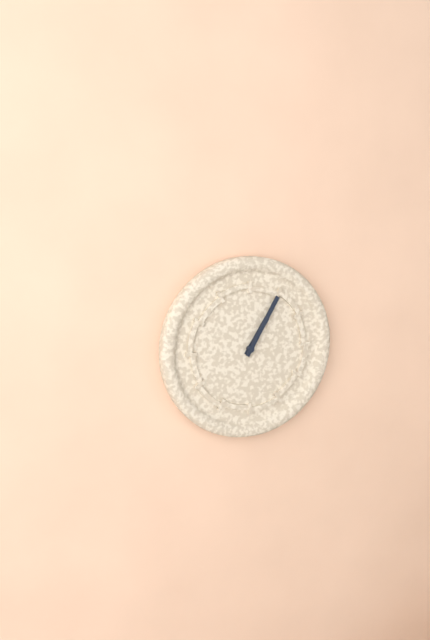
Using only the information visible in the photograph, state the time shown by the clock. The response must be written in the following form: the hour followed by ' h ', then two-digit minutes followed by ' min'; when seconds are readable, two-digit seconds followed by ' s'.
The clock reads 1 h 05 min
